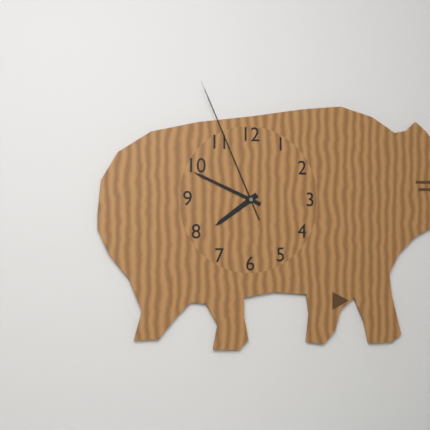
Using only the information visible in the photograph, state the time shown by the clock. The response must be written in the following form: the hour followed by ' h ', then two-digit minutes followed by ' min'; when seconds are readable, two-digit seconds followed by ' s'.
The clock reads 7 h 49 min 56 s
